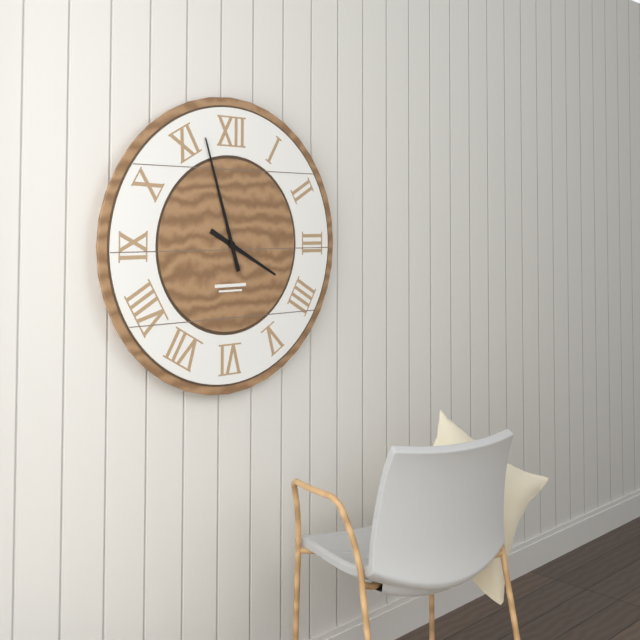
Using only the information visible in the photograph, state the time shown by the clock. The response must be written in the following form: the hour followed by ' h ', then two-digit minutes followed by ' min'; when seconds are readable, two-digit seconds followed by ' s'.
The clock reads 3 h 57 min
